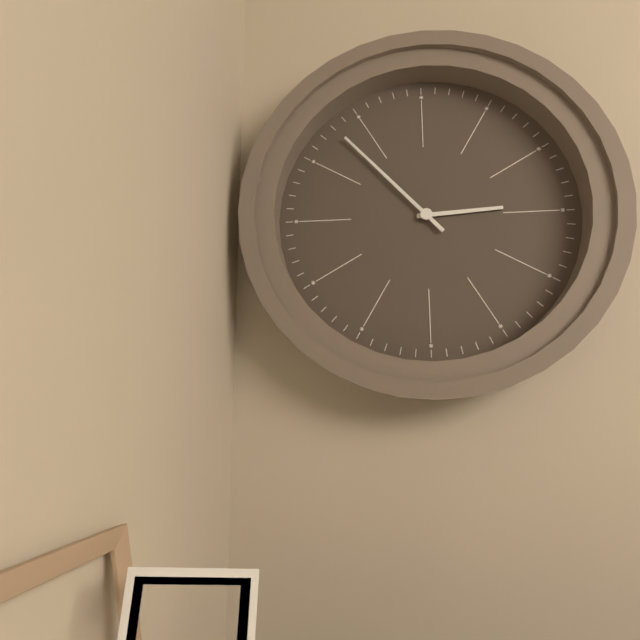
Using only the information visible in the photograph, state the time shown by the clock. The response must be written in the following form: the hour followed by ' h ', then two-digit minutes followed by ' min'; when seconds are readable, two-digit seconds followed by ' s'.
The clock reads 2 h 53 min
